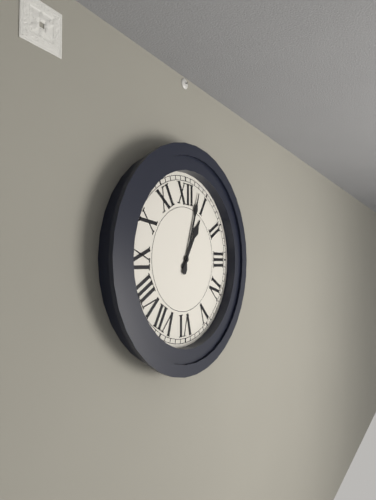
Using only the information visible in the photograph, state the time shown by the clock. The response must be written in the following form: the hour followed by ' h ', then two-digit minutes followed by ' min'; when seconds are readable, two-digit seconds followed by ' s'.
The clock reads 1 h 03 min
